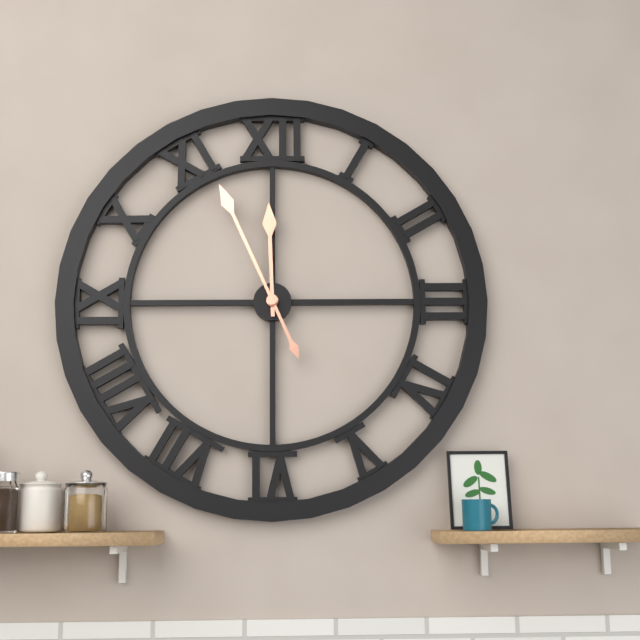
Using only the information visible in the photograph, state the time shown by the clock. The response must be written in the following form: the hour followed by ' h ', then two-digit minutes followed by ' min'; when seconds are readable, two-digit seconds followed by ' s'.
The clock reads 11 h 56 min
